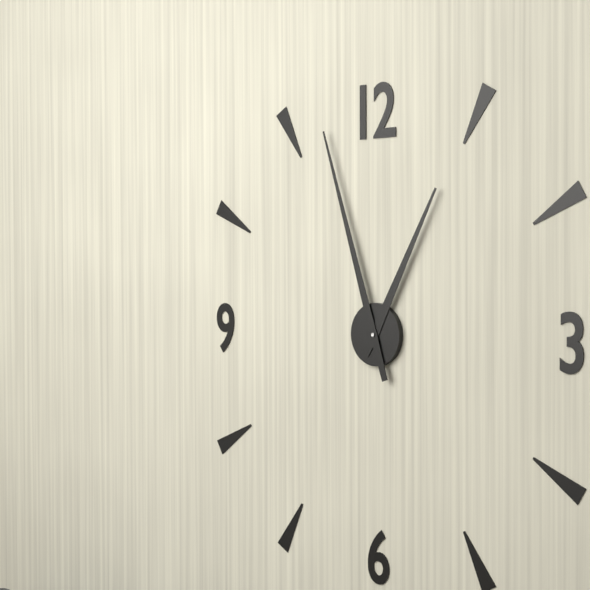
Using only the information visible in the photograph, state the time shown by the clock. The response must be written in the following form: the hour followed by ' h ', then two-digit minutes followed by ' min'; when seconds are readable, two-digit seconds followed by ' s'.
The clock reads 12 h 57 min
